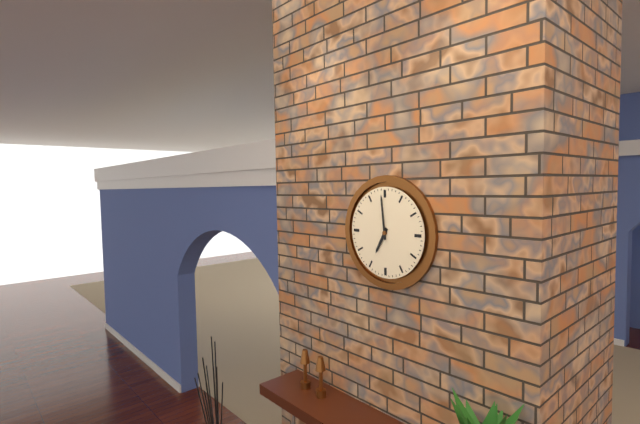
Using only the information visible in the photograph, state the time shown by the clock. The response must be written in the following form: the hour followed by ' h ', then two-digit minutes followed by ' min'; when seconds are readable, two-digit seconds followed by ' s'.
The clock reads 6 h 59 min
